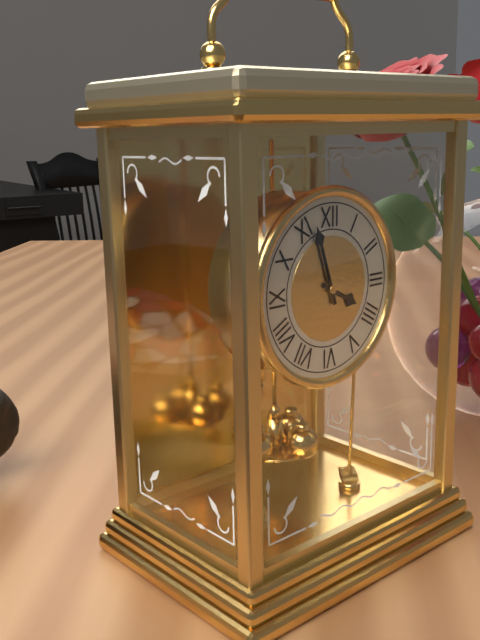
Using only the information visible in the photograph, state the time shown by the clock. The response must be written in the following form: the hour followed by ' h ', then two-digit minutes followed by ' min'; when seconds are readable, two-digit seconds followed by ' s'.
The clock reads 3 h 57 min
